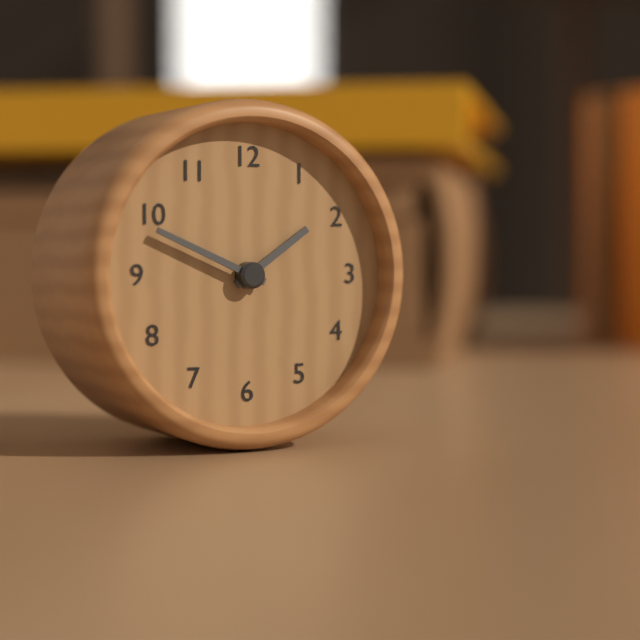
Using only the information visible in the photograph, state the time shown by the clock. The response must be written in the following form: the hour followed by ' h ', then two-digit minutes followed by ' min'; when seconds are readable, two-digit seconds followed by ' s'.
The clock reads 1 h 49 min
